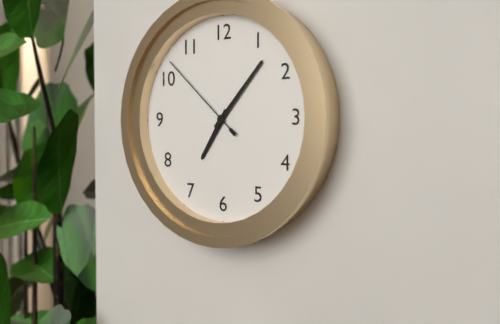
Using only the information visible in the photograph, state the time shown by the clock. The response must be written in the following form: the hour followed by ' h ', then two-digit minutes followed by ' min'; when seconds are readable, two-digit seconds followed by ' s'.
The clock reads 7 h 07 min 52 s
